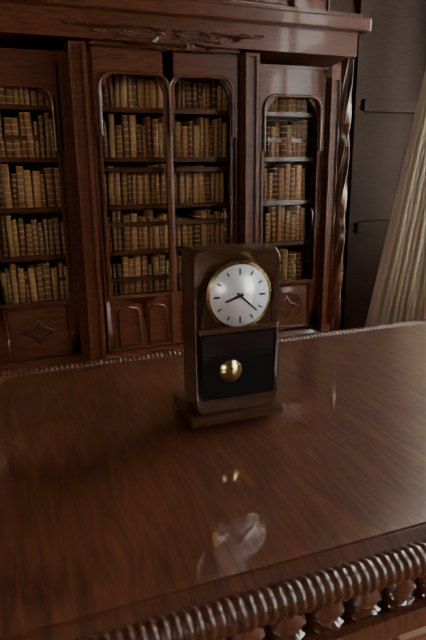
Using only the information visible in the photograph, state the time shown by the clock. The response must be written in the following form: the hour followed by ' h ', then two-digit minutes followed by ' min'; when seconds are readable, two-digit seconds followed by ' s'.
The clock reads 8 h 22 min
